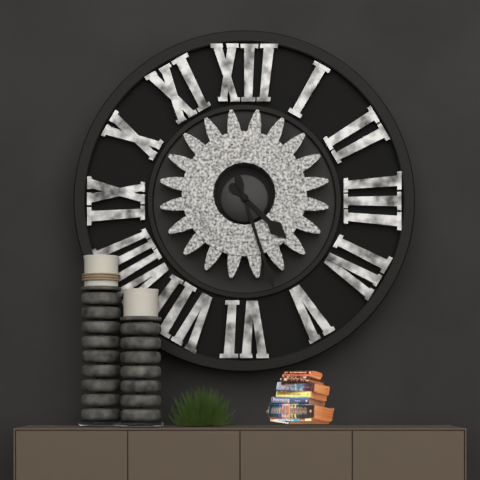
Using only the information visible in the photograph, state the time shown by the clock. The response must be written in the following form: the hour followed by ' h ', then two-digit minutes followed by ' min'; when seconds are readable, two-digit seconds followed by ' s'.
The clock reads 4 h 27 min
